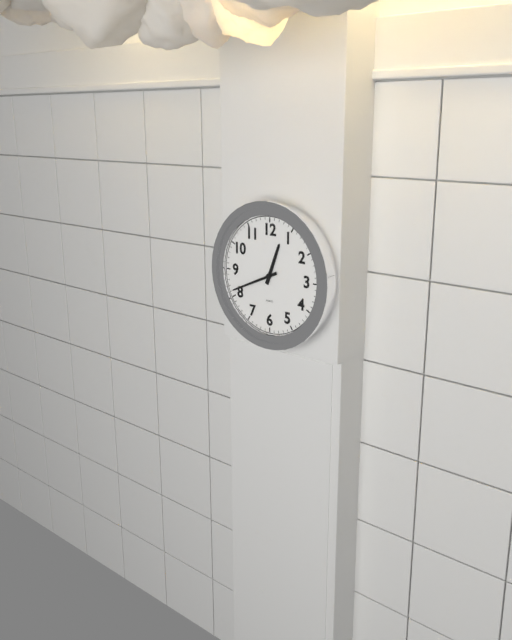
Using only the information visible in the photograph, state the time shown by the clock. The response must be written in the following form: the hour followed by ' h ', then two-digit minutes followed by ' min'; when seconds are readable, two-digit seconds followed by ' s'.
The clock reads 12 h 41 min
